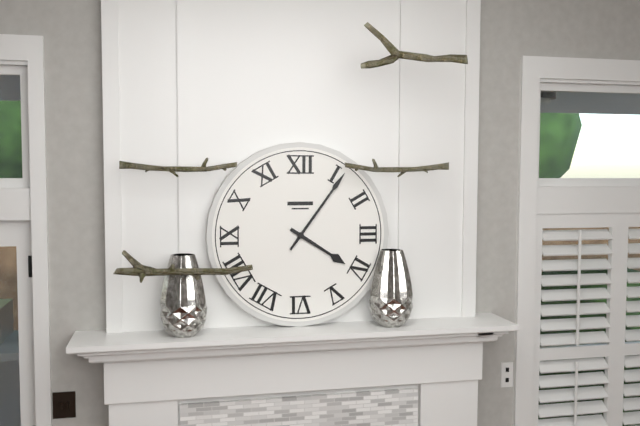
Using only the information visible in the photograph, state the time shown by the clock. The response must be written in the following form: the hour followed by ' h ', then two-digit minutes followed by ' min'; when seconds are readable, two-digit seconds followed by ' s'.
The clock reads 4 h 06 min
